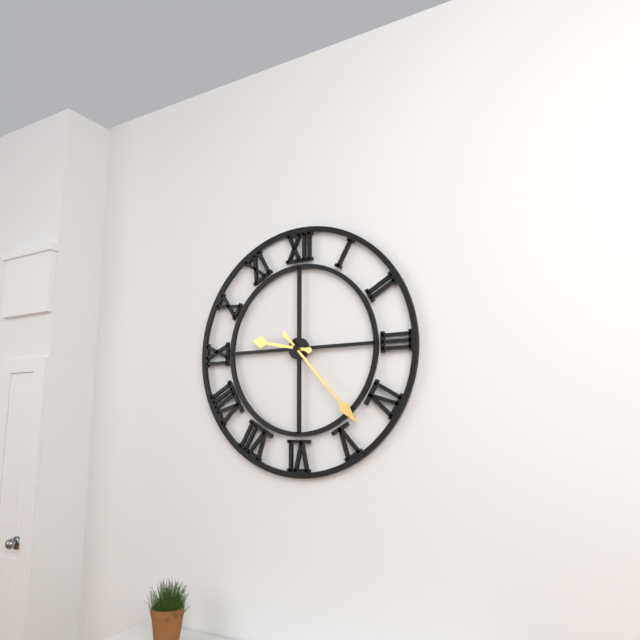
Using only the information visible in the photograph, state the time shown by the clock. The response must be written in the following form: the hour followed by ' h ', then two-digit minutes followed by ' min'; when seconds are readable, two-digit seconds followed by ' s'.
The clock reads 9 h 23 min
